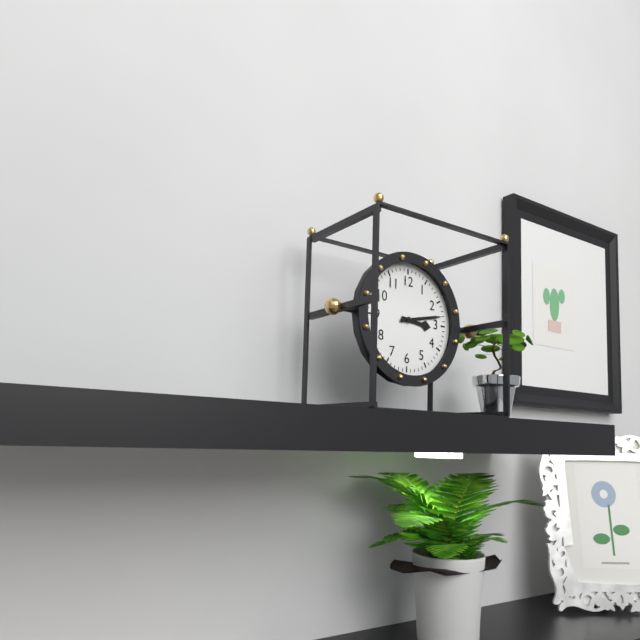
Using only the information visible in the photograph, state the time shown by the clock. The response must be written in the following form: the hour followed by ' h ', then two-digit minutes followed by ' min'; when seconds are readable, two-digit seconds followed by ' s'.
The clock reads 3 h 13 min
